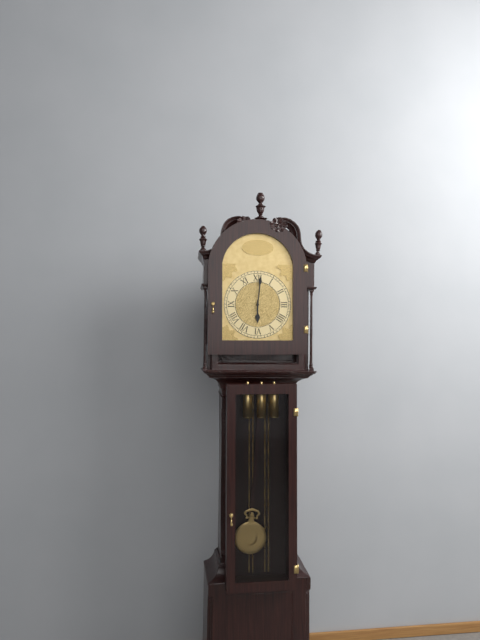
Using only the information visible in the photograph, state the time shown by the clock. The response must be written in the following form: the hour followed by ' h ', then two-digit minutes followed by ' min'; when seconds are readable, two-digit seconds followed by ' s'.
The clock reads 6 h 01 min
